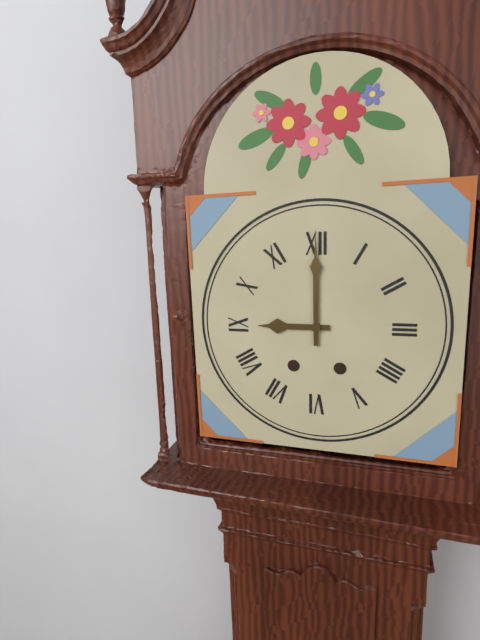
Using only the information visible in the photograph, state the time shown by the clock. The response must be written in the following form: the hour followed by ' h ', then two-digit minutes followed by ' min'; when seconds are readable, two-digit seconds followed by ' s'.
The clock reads 9 h 00 min
